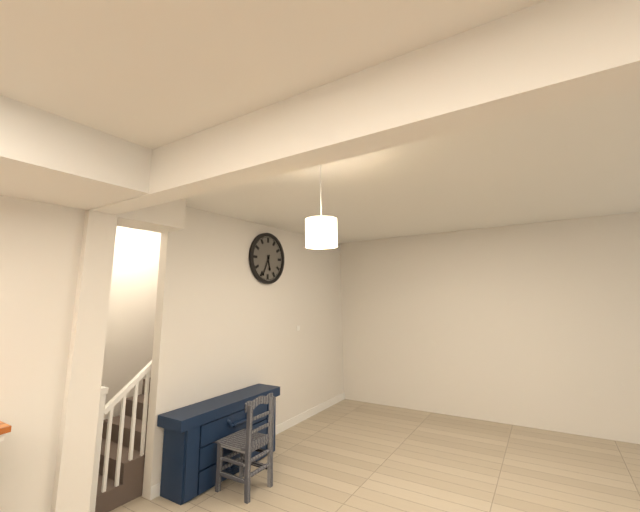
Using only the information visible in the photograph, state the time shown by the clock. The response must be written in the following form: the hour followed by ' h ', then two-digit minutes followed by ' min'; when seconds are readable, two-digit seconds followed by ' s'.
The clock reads 5 h 34 min
